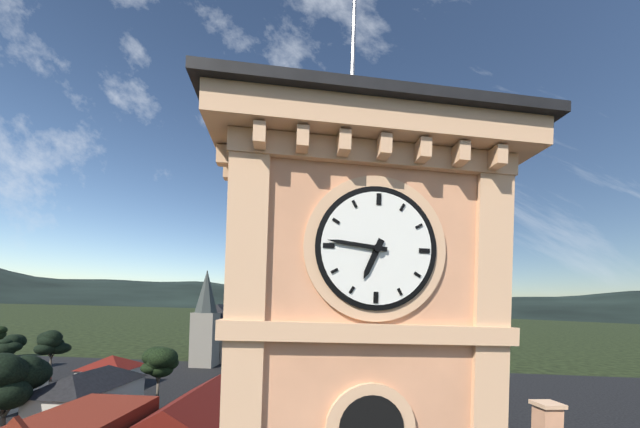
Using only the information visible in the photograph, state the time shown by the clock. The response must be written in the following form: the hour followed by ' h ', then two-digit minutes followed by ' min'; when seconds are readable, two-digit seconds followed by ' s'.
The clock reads 6 h 46 min
